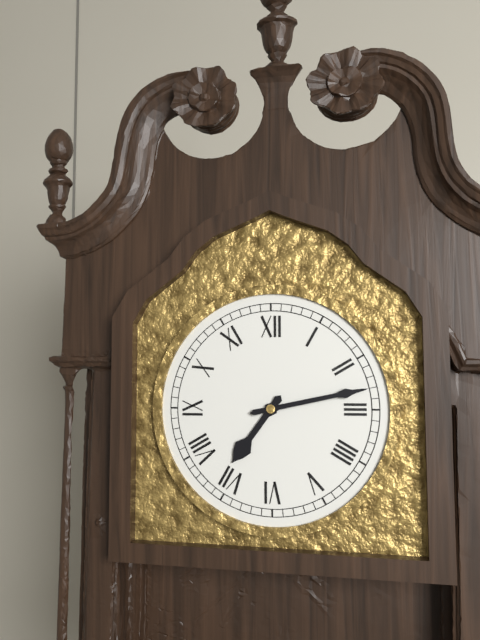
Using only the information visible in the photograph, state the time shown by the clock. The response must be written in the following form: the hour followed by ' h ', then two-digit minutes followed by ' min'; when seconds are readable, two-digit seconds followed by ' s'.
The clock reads 7 h 13 min
